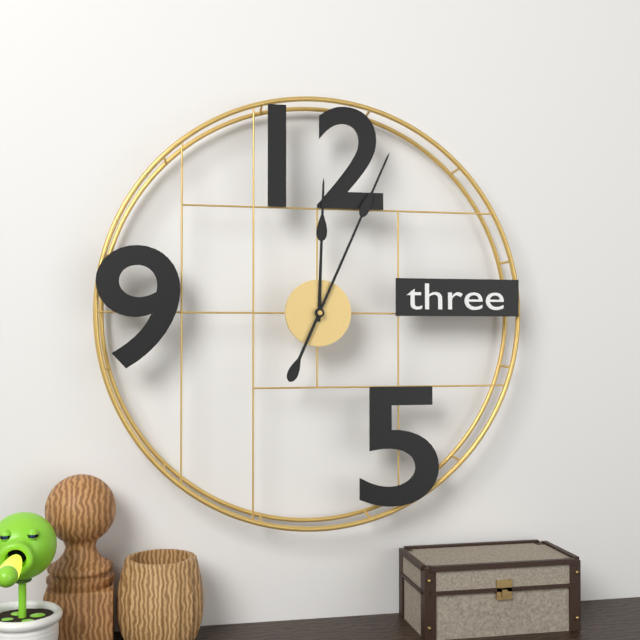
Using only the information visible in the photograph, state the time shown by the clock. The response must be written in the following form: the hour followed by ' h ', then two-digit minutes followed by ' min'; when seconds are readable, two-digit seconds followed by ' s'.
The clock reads 12 h 04 min
